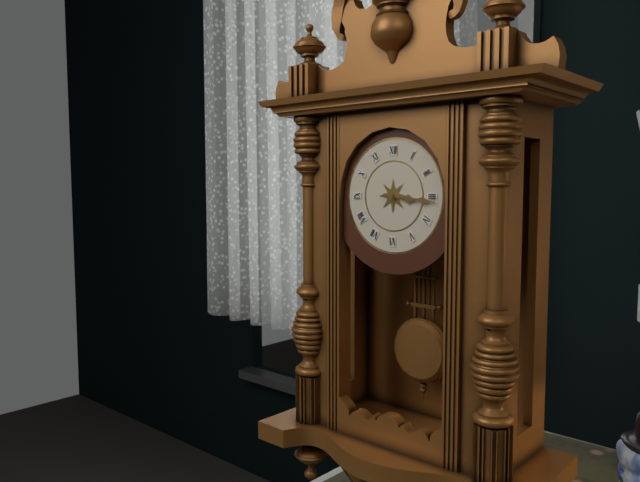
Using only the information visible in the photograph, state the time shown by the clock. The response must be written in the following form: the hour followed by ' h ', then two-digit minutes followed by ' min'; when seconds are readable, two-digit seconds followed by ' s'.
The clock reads 3 h 16 min
